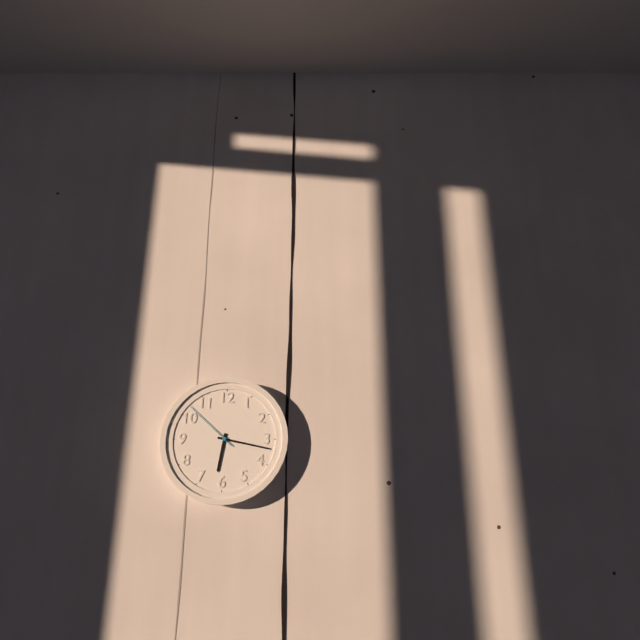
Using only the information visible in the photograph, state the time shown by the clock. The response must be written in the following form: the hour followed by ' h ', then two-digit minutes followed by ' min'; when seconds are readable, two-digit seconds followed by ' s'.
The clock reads 6 h 17 min 52 s
